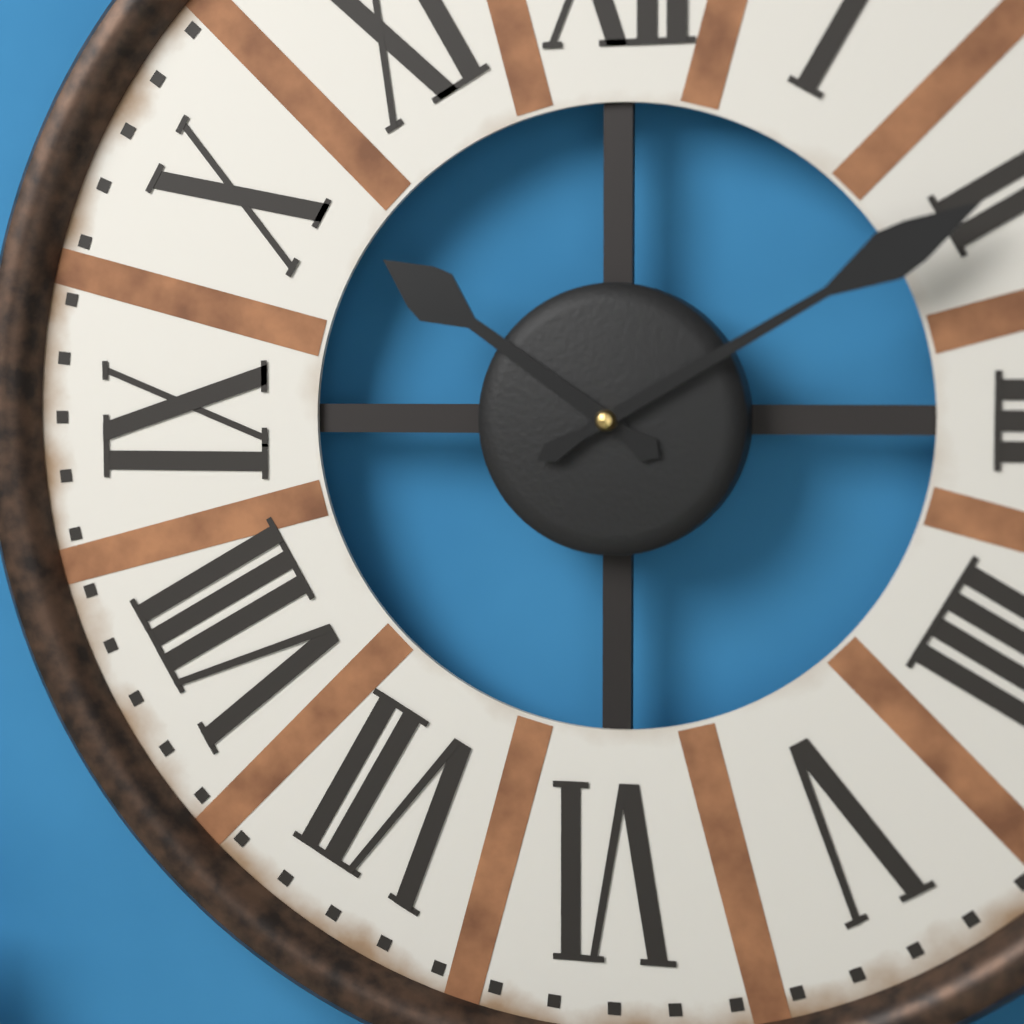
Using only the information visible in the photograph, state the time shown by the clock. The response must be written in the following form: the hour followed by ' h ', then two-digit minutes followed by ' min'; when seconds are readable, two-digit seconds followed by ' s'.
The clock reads 10 h 10 min
